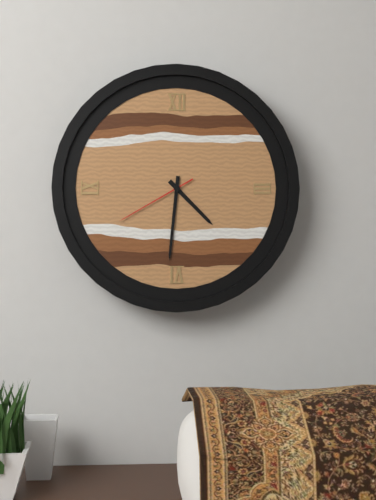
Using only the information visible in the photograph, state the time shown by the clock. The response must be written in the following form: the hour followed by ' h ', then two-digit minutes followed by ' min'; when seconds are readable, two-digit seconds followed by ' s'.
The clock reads 4 h 31 min 40 s
